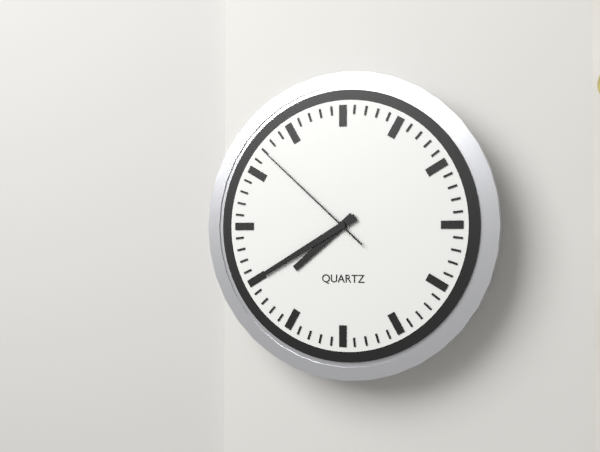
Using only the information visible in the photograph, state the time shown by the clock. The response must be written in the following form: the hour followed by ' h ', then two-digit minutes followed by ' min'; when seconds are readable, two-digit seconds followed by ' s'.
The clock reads 7 h 40 min 52 s
